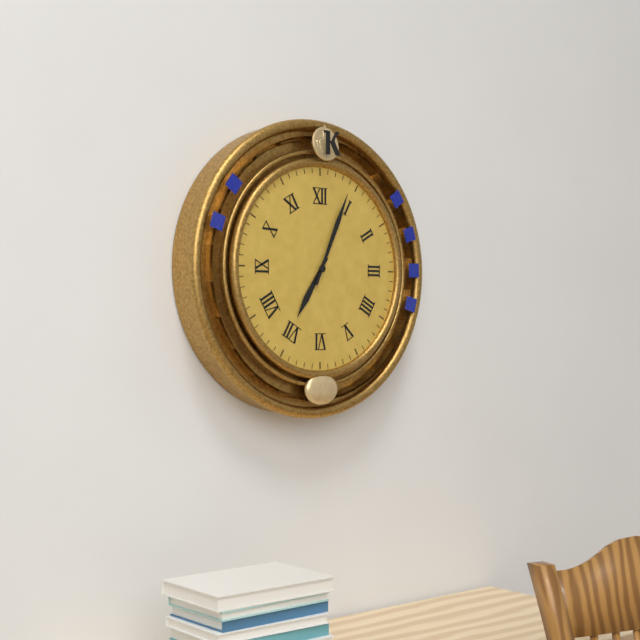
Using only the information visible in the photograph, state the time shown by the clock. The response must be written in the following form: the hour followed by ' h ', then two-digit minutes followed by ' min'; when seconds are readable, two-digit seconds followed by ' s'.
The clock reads 7 h 04 min
